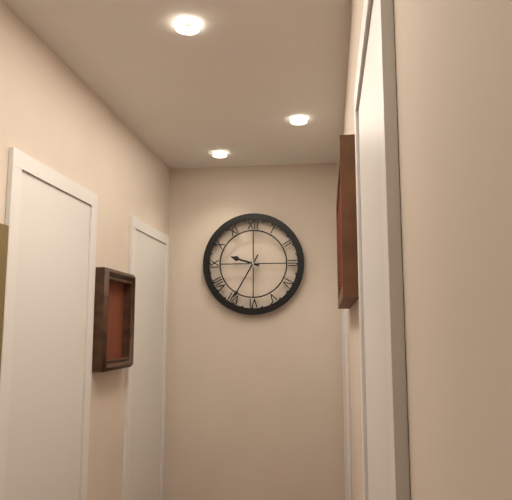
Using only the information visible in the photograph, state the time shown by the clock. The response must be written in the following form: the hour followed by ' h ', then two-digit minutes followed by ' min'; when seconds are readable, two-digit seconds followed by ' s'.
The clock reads 9 h 35 min
